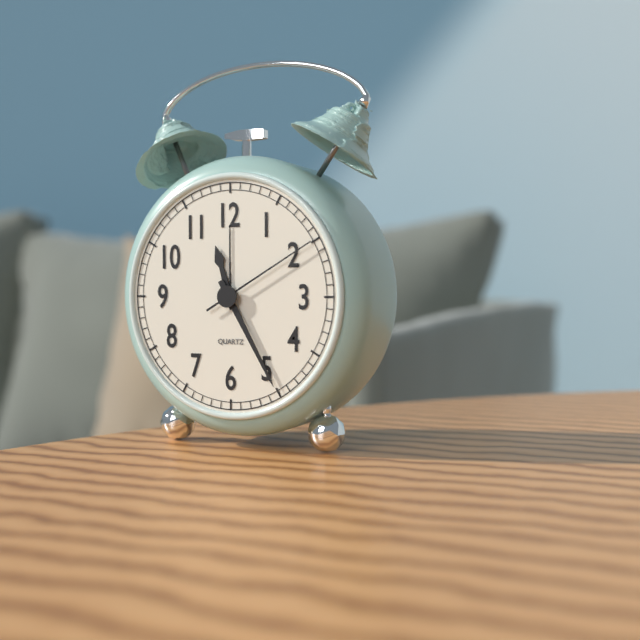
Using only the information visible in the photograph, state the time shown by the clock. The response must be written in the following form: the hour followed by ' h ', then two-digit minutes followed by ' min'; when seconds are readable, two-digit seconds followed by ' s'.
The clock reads 11 h 25 min 10 s
